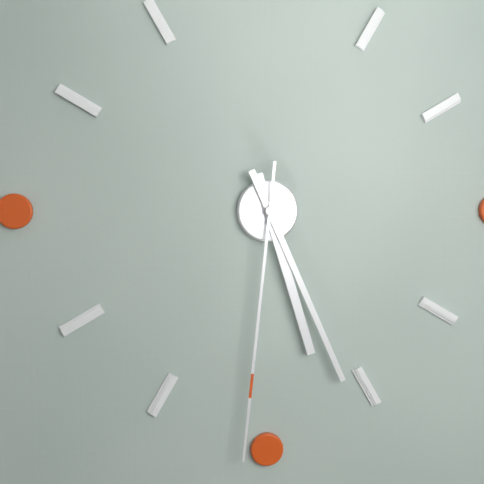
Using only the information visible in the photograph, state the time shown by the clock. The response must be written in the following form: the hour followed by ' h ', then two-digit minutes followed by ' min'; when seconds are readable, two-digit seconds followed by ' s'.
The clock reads 5 h 26 min 31 s
